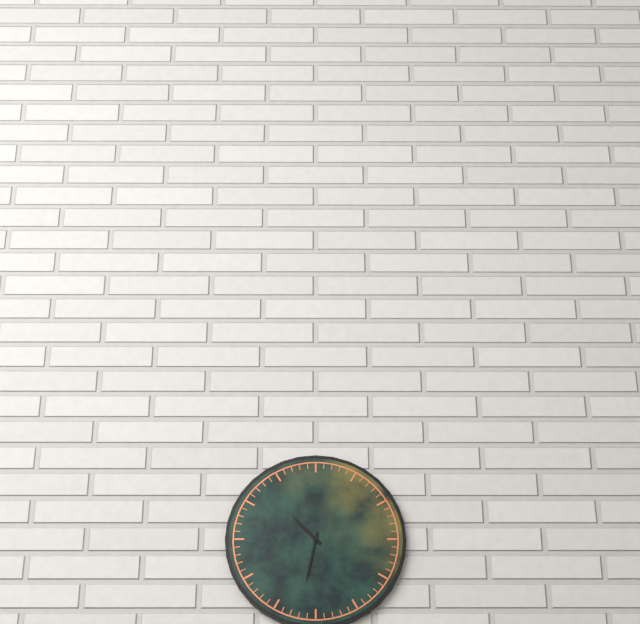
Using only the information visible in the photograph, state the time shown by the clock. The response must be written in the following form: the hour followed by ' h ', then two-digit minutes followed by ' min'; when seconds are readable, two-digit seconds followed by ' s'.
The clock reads 10 h 32 min
